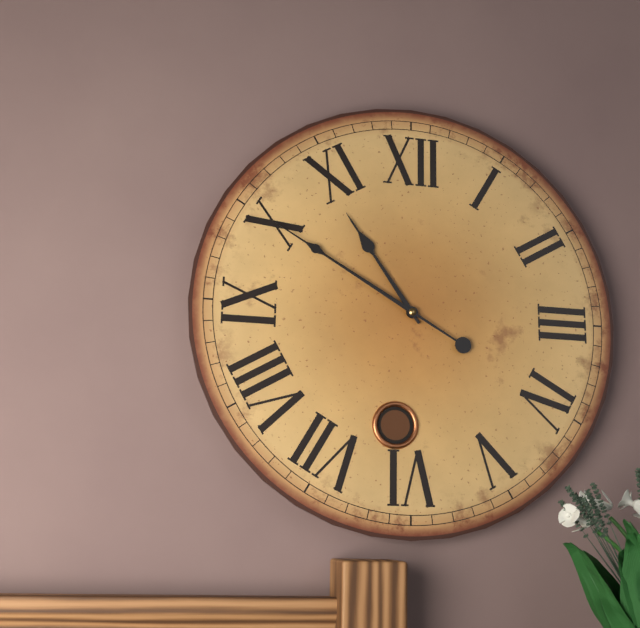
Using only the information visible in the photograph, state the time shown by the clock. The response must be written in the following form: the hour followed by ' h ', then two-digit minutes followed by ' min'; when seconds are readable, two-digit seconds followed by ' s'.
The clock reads 10 h 50 min
